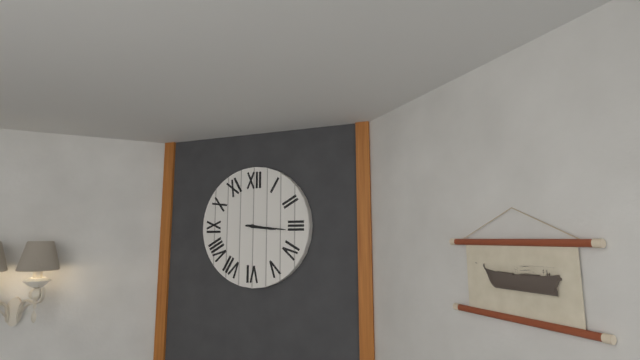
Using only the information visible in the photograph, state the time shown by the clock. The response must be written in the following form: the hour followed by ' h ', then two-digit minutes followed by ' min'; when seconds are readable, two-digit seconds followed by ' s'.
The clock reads 3 h 16 min
